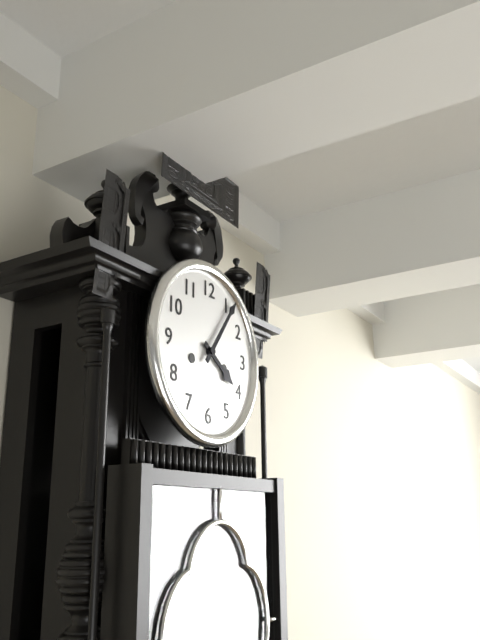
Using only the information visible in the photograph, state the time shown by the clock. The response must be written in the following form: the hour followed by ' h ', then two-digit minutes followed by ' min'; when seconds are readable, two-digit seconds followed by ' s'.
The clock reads 4 h 06 min
